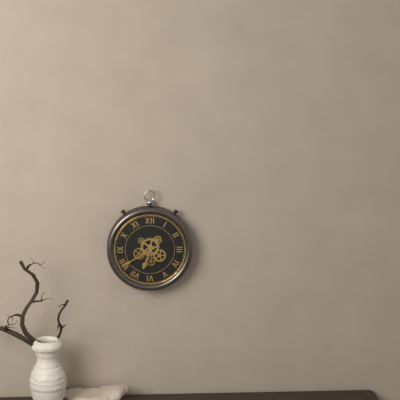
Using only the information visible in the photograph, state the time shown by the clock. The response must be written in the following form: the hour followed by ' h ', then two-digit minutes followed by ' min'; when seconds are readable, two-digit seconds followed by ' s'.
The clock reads 6 h 40 min
